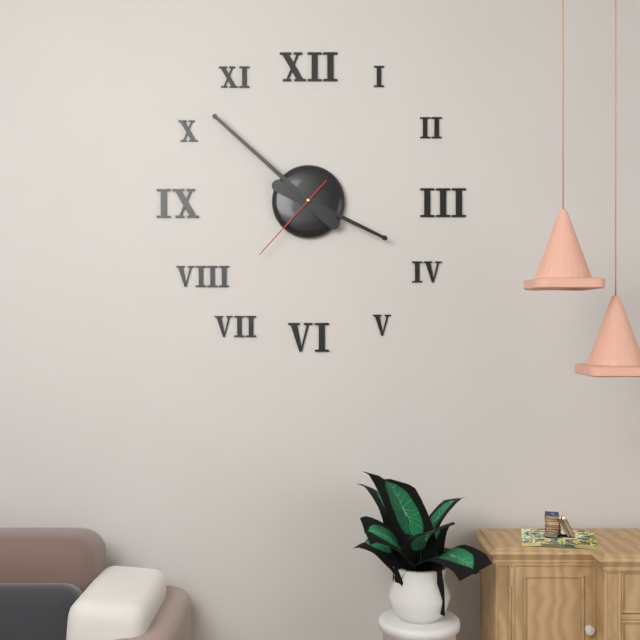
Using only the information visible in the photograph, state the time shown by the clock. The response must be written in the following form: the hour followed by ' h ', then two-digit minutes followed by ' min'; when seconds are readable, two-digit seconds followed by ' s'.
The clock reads 3 h 52 min 37 s
